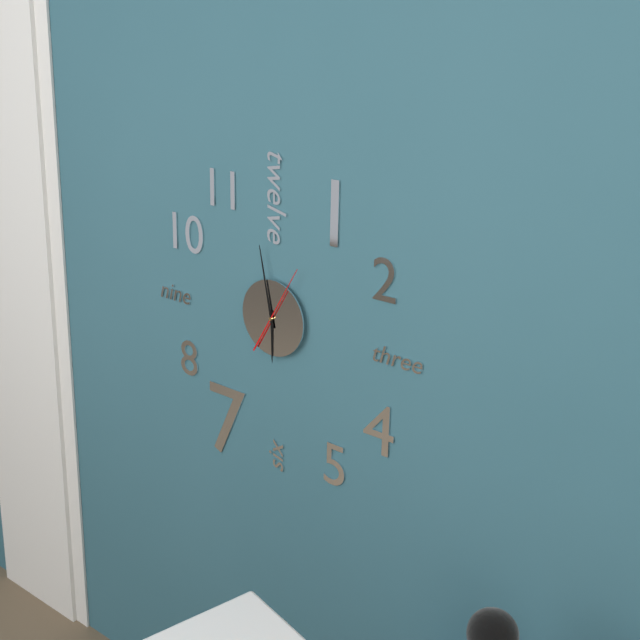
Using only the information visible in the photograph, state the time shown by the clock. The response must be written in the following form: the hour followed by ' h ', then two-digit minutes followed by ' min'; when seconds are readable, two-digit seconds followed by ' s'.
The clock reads 5 h 58 min 05 s
